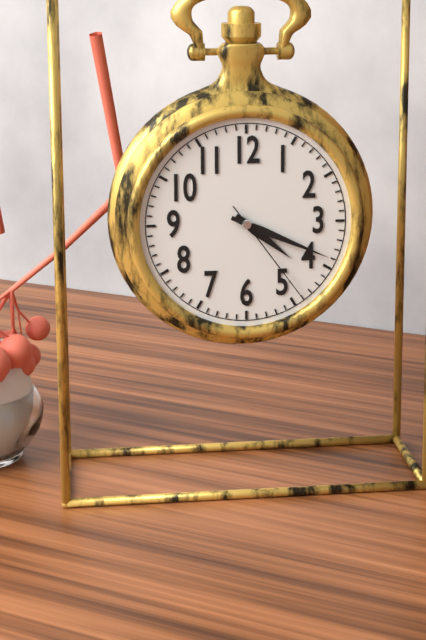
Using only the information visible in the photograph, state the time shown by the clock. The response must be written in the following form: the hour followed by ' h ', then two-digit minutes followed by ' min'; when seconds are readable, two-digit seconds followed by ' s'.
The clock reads 4 h 19 min 24 s
